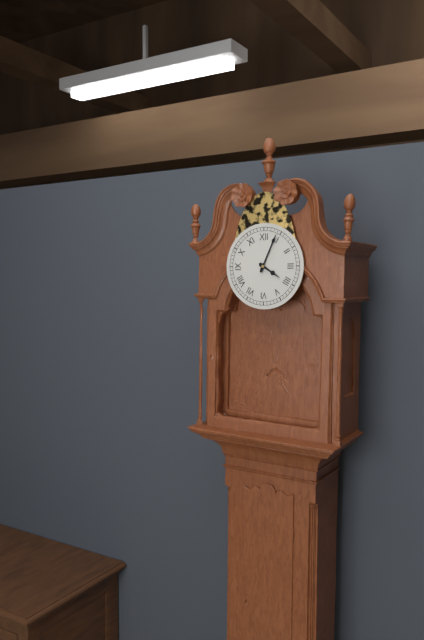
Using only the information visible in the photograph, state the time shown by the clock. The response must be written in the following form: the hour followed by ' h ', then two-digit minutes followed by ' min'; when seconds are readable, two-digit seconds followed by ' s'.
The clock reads 4 h 04 min
